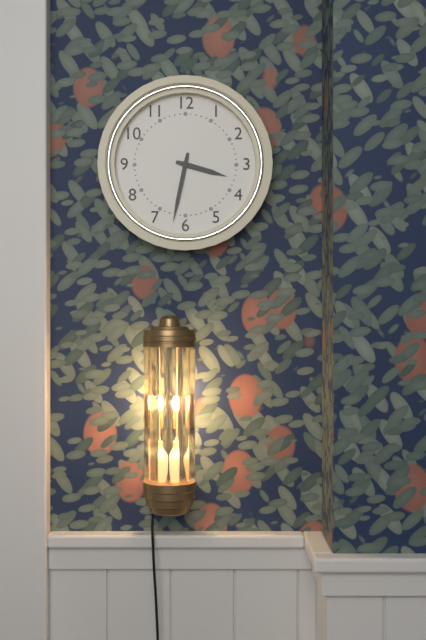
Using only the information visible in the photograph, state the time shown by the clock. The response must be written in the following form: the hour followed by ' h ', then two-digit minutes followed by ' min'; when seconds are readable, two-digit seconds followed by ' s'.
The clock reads 3 h 32 min
